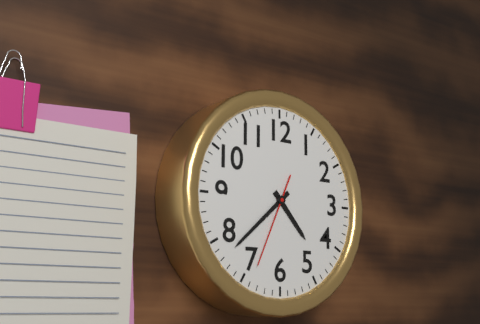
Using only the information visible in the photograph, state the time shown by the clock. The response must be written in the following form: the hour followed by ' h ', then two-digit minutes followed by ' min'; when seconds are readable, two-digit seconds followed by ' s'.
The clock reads 4 h 38 min 34 s
